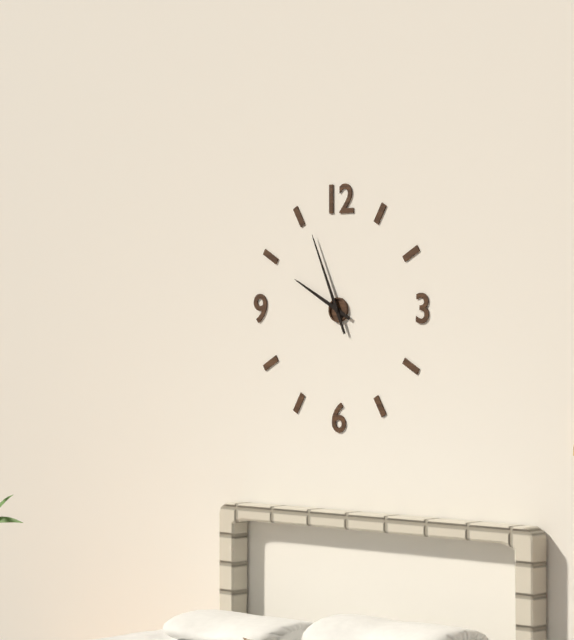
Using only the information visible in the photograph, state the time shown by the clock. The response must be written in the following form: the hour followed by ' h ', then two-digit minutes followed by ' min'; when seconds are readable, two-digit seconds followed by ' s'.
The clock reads 9 h 56 min
